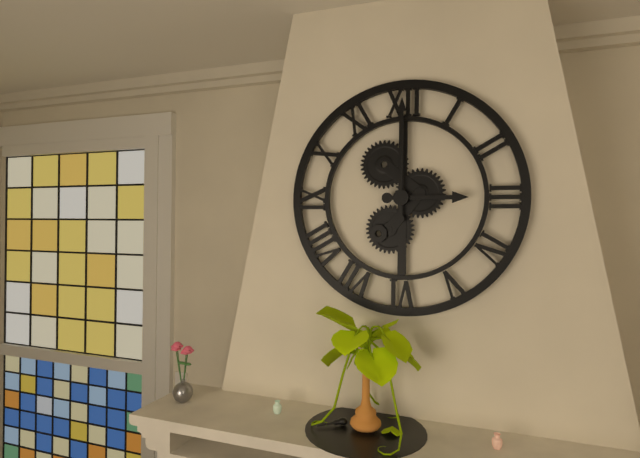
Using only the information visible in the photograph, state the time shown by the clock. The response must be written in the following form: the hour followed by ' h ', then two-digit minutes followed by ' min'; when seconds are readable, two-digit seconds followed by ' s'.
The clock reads 3 h 00 min
